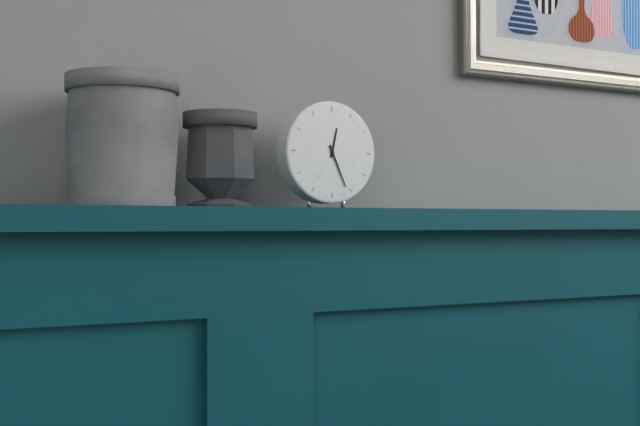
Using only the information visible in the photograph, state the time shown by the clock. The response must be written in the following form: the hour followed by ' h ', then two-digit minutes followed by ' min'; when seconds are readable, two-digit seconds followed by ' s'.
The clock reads 12 h 26 min
